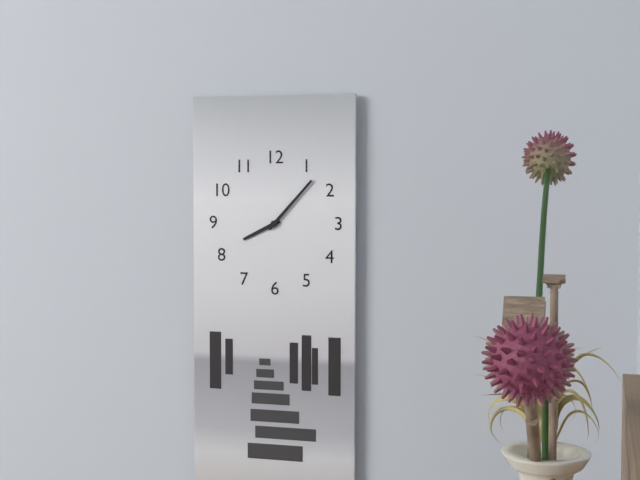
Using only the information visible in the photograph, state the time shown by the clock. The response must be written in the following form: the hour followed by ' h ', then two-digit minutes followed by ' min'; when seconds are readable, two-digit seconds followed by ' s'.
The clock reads 8 h 07 min
